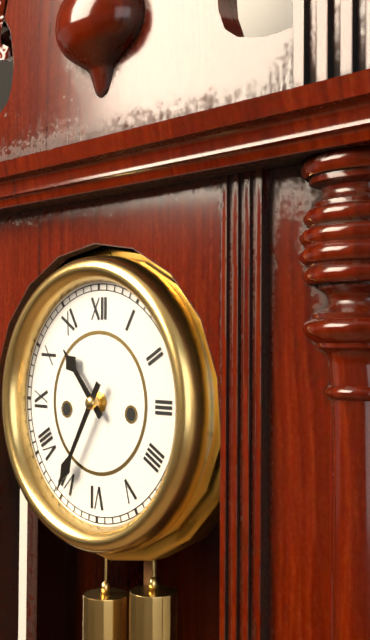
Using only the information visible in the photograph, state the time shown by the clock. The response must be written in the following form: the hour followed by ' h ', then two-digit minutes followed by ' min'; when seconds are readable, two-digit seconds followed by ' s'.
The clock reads 10 h 35 min
